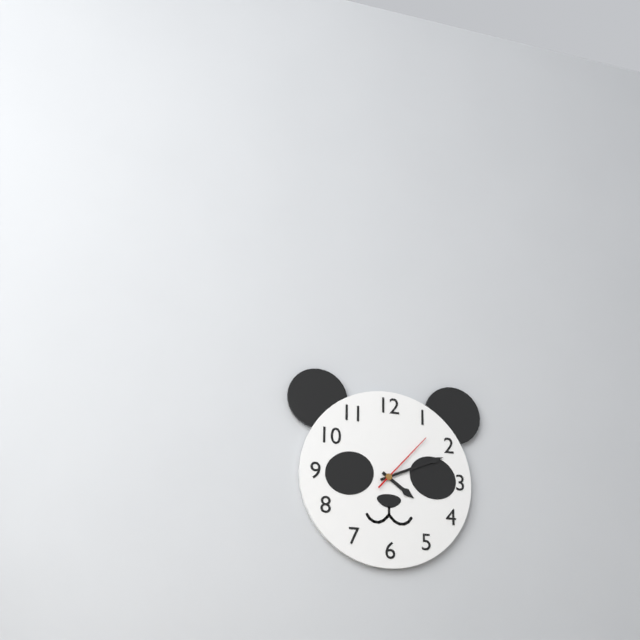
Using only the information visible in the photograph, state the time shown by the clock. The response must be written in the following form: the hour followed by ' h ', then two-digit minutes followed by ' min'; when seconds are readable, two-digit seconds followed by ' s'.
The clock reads 4 h 11 min 07 s
